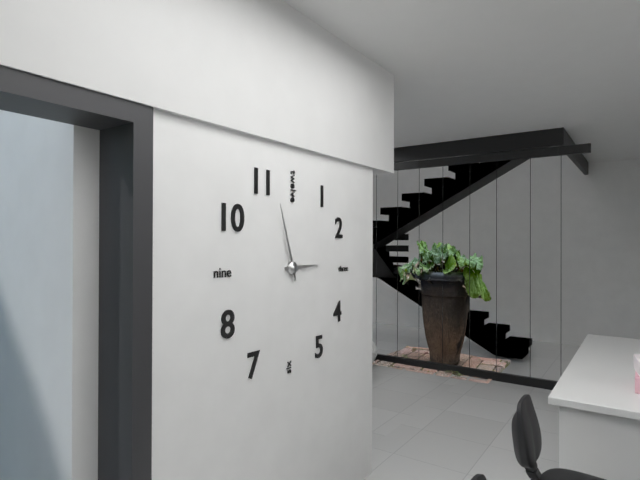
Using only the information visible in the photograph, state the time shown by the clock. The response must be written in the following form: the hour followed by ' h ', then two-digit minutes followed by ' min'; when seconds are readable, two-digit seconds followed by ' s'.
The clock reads 2 h 57 min
